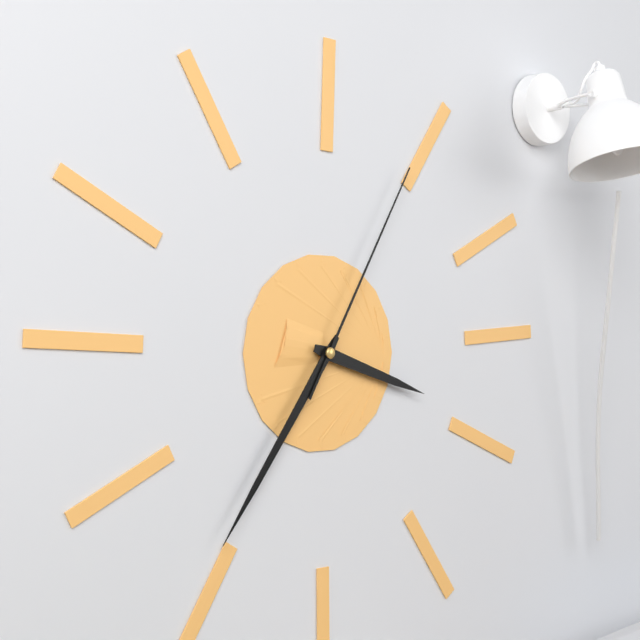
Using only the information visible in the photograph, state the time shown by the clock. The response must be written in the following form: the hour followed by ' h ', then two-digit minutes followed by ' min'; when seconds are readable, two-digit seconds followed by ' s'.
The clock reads 3 h 36 min 05 s
